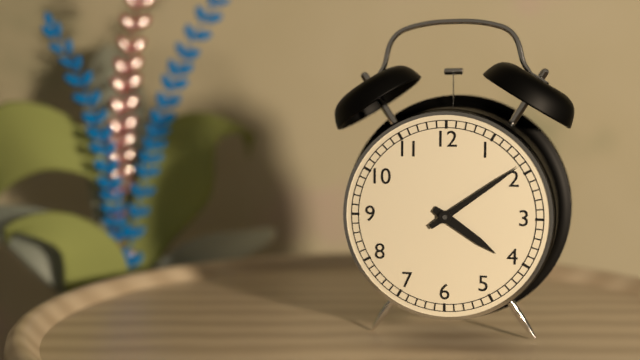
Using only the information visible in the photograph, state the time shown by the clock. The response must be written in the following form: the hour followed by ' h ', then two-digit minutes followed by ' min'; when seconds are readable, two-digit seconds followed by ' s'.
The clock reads 4 h 09 min
